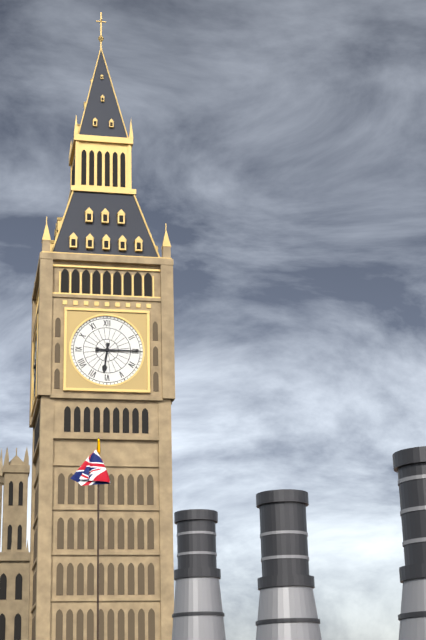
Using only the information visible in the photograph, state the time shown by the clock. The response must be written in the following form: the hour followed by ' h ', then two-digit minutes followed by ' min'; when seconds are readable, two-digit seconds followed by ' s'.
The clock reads 6 h 15 min
